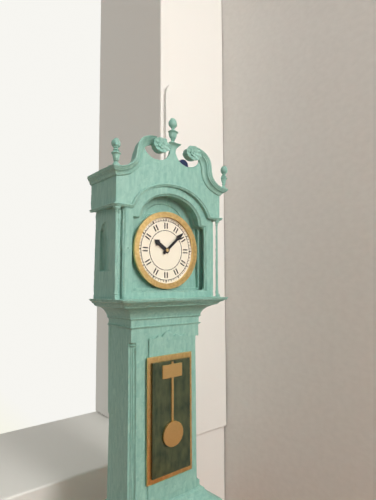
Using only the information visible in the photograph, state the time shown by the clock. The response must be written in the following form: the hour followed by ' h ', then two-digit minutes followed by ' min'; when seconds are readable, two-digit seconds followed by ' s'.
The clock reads 10 h 08 min
